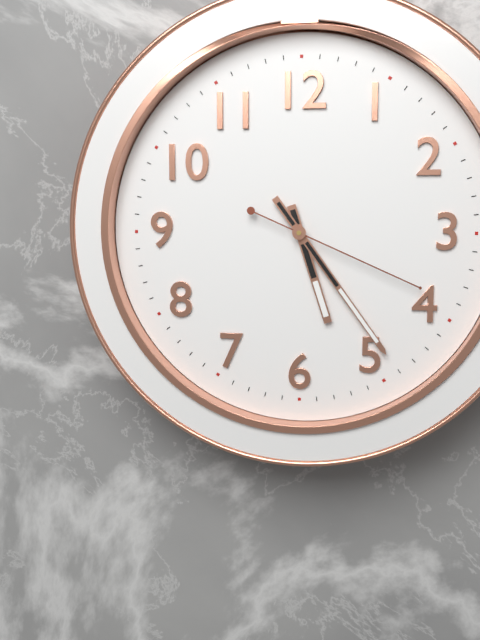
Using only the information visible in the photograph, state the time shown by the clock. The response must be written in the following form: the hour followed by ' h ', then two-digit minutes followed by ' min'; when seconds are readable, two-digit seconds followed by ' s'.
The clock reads 5 h 24 min 19 s
